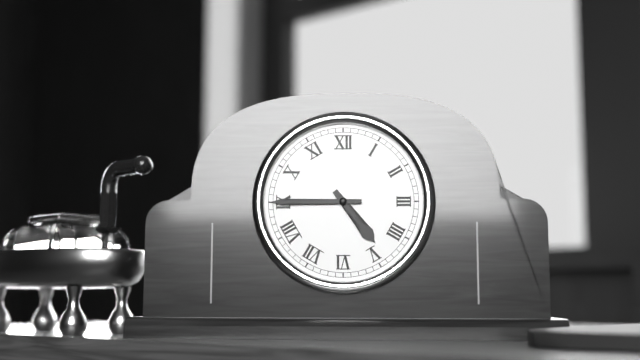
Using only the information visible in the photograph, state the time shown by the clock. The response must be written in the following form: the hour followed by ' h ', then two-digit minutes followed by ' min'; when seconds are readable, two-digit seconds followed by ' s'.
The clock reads 4 h 45 min
